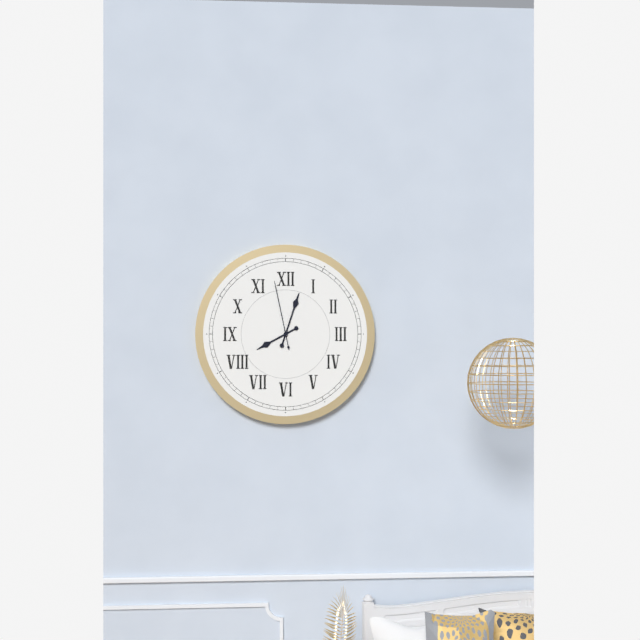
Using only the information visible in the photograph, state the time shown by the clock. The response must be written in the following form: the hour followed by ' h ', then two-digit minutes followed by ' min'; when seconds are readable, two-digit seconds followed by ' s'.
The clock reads 8 h 03 min 58 s
